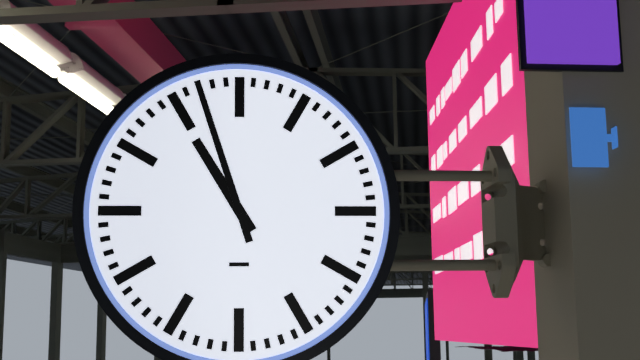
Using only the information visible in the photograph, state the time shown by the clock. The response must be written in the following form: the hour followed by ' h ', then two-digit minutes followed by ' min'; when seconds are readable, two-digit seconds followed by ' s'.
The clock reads 10 h 57 min
